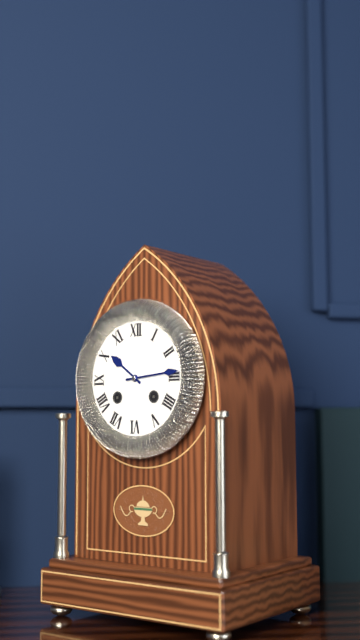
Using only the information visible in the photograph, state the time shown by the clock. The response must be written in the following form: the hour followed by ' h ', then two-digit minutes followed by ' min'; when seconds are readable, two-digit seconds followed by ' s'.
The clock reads 10 h 14 min
